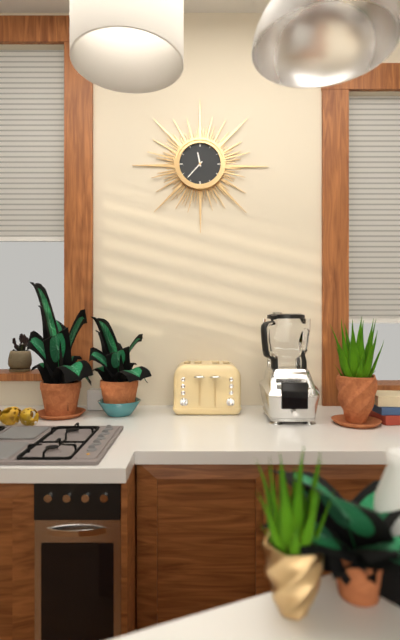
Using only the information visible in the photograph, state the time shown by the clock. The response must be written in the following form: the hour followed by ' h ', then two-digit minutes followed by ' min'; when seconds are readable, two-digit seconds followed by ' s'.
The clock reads 11 h 37 min
